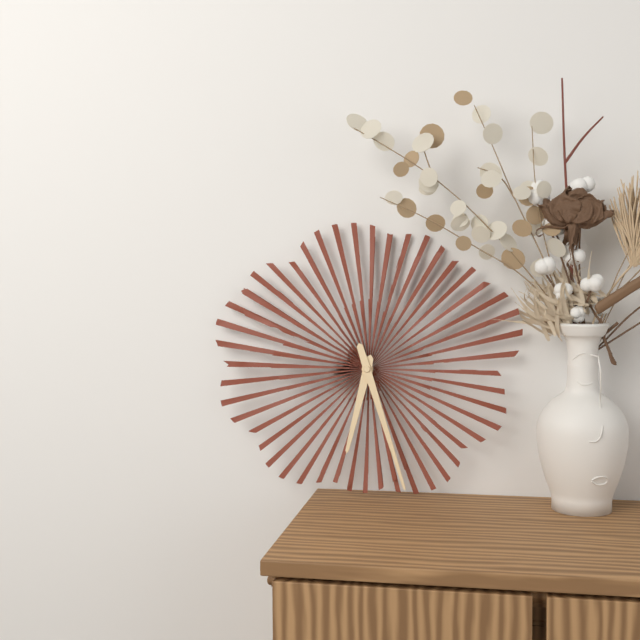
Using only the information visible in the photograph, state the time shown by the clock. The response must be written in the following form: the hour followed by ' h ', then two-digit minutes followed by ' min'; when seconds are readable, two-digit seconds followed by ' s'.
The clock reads 6 h 27 min
